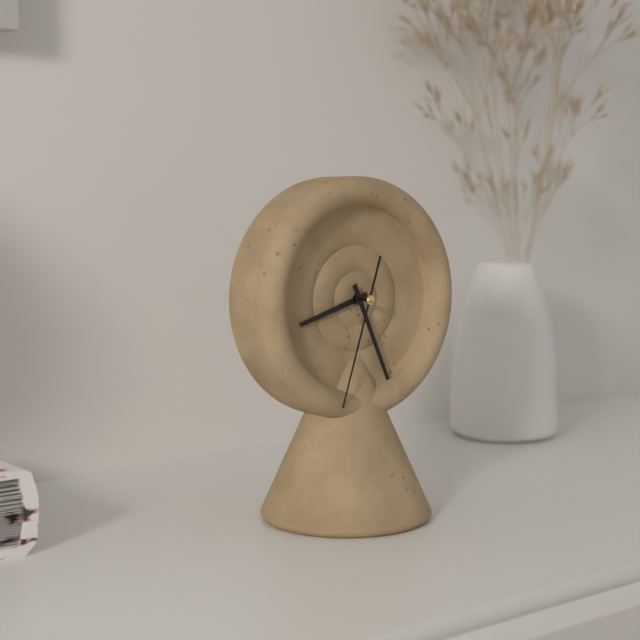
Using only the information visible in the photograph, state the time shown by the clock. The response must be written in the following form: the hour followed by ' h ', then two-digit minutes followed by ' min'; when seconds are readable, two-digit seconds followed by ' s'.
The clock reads 8 h 26 min 33 s
